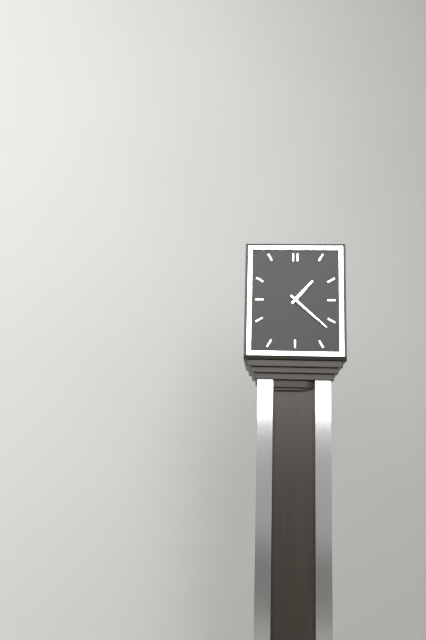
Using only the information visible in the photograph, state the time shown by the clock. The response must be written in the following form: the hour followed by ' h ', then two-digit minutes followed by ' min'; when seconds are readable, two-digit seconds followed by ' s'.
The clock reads 1 h 22 min
